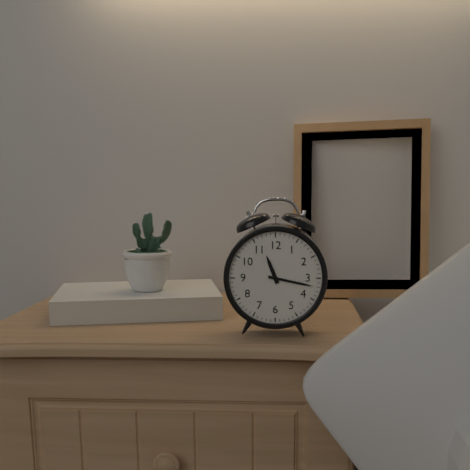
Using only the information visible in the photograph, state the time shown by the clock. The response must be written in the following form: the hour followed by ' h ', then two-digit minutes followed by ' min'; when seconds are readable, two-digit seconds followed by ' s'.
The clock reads 11 h 17 min
